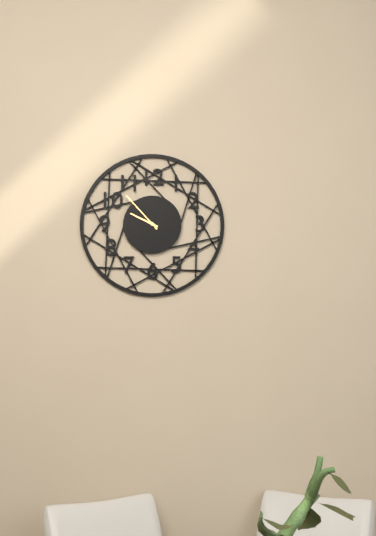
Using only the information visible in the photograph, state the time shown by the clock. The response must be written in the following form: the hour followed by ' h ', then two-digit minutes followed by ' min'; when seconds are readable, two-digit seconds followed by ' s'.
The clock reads 9 h 53 min
